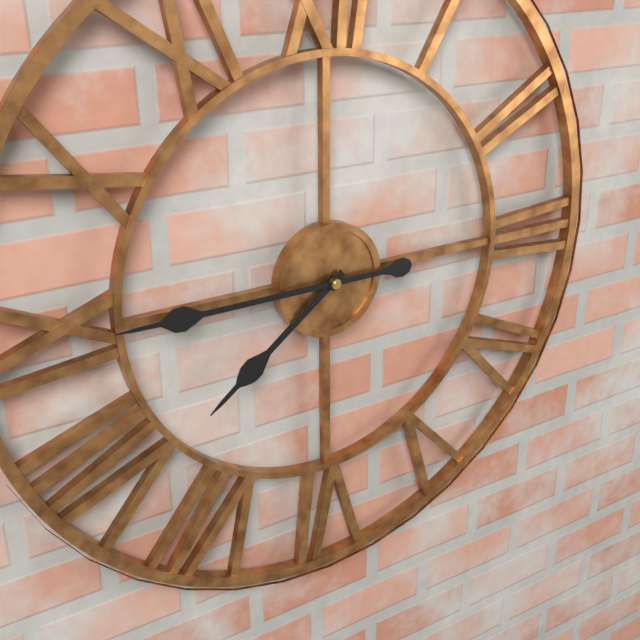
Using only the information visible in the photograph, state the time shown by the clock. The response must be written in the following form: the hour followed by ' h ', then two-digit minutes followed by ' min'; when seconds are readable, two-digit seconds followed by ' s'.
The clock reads 7 h 45 min
